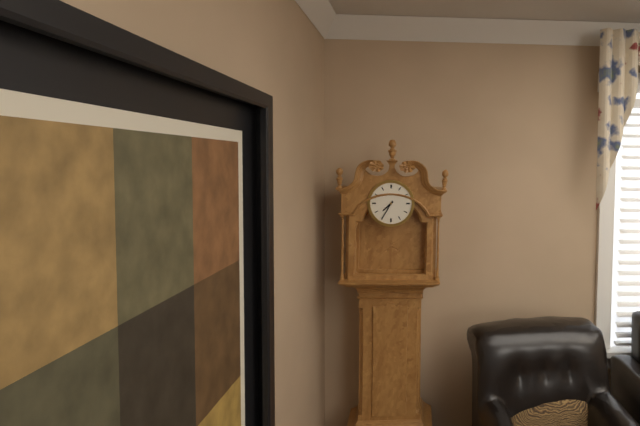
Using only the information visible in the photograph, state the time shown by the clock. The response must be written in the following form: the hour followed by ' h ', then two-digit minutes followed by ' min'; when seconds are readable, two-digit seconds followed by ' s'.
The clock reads 7 h 35 min
